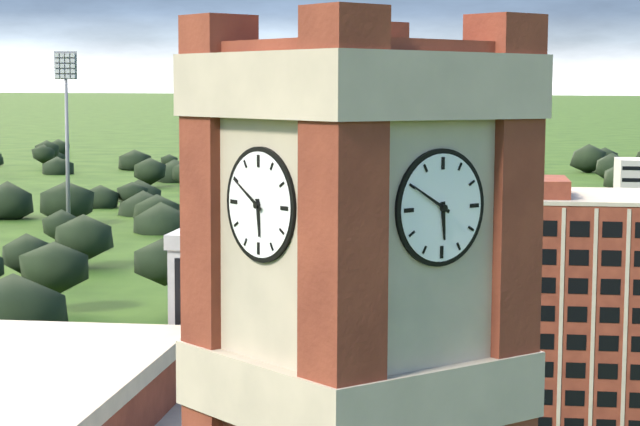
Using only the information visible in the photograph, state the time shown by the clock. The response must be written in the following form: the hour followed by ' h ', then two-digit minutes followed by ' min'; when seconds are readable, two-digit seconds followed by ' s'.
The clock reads 5 h 50 min
